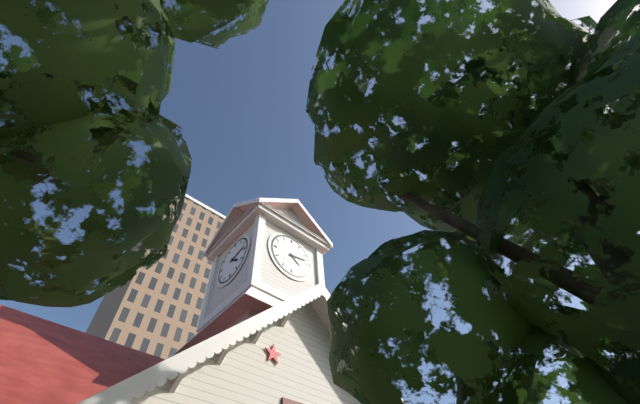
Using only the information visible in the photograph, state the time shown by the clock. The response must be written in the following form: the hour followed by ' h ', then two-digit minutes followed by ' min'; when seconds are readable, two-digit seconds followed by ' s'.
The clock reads 4 h 13 min
